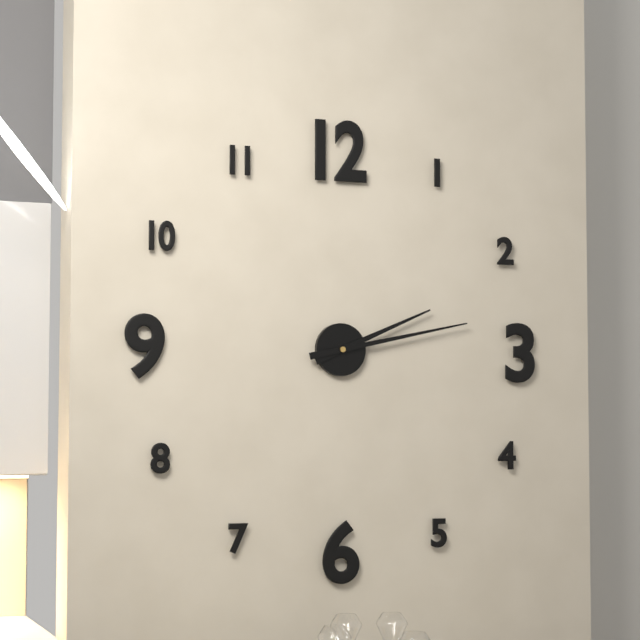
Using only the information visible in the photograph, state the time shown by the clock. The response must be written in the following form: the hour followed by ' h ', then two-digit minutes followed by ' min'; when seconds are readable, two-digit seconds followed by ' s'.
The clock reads 2 h 13 min
